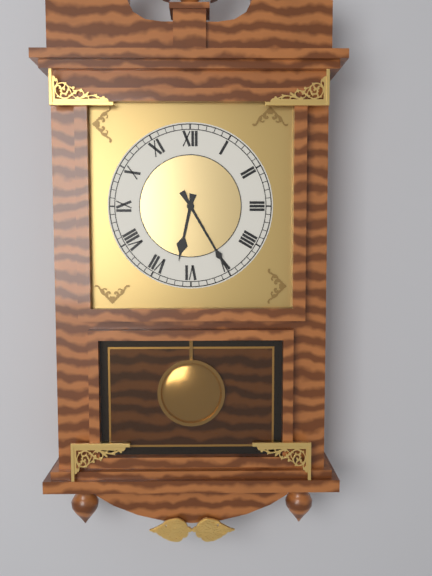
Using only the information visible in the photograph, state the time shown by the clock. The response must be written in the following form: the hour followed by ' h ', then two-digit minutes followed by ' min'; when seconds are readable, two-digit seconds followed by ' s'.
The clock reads 6 h 25 min
